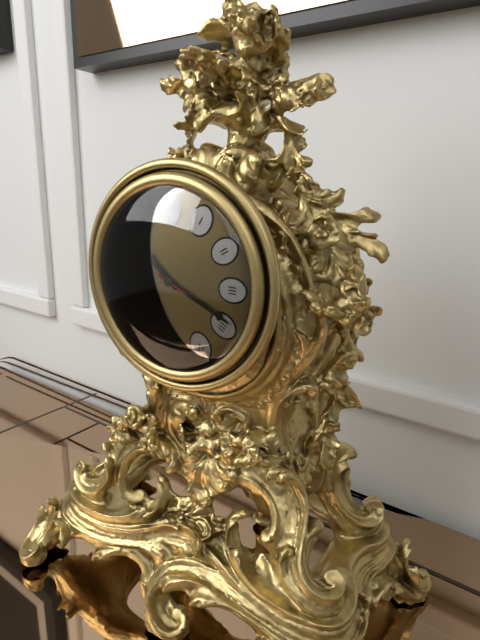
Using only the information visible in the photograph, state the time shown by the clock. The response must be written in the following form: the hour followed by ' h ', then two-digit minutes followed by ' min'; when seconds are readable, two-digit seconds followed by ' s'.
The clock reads 10 h 19 min 49 s
